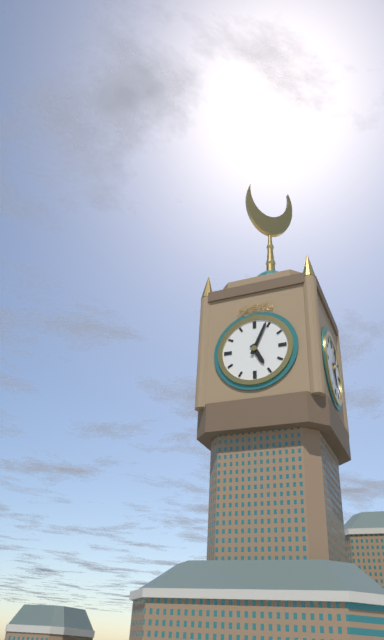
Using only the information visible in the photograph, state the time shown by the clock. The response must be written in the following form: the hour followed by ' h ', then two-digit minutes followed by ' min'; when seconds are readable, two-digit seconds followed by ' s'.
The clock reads 5 h 04 min
